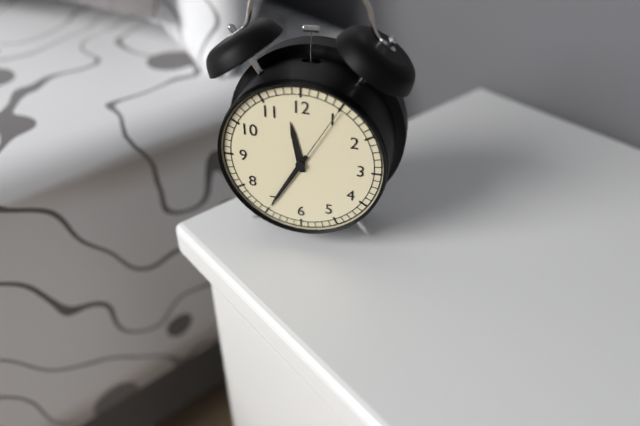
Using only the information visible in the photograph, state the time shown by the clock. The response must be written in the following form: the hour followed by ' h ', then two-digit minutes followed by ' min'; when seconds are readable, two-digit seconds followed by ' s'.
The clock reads 11 h 35 min 05 s
